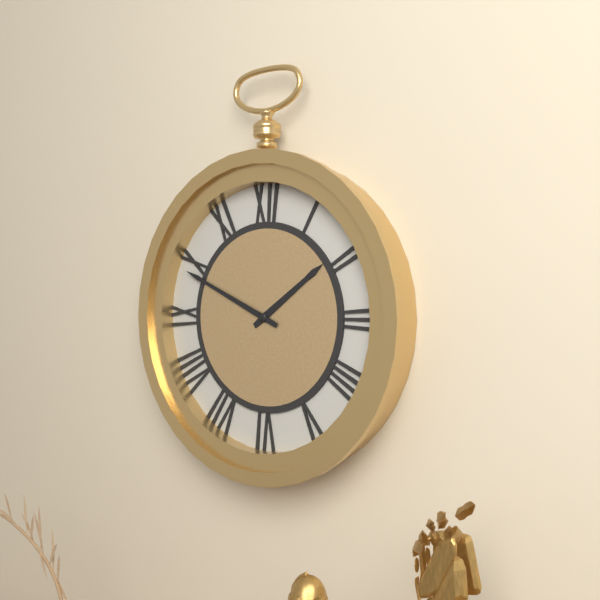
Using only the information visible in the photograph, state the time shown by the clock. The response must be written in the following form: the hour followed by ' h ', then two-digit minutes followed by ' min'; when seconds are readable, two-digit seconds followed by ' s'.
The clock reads 1 h 49 min
